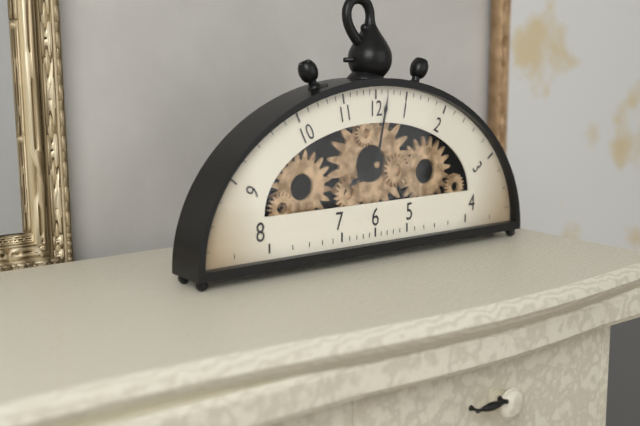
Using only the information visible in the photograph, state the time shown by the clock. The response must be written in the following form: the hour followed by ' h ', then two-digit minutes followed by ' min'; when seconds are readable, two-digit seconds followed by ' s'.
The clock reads 8 h 02 min
